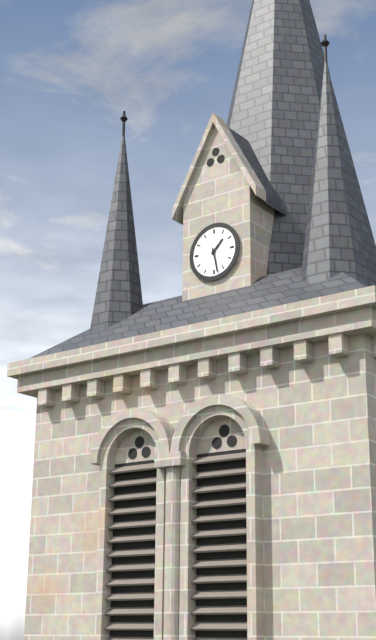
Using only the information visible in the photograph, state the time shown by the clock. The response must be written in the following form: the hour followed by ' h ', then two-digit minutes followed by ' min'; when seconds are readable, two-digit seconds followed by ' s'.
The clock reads 1 h 28 min
